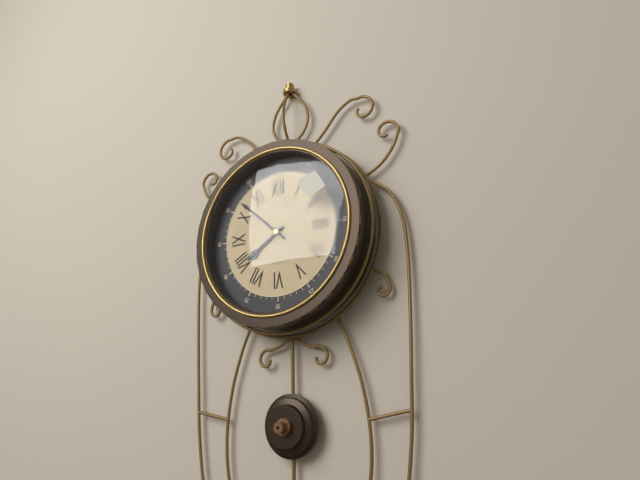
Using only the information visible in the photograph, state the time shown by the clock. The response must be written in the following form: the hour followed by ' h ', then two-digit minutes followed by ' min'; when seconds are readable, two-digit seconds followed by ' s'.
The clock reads 7 h 52 min
